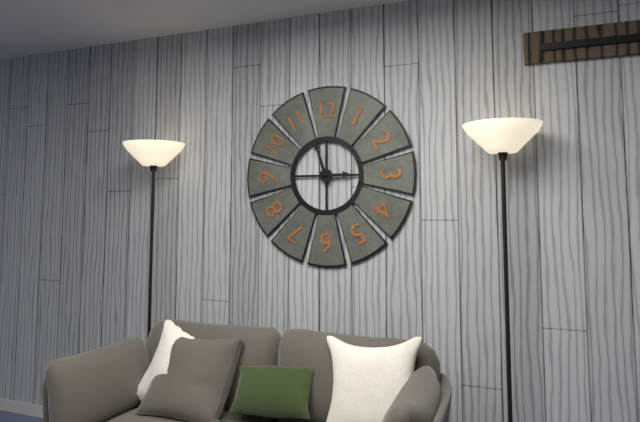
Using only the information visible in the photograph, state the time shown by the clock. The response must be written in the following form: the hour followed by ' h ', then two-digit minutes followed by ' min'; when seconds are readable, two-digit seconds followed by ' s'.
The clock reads 2 h 57 min
